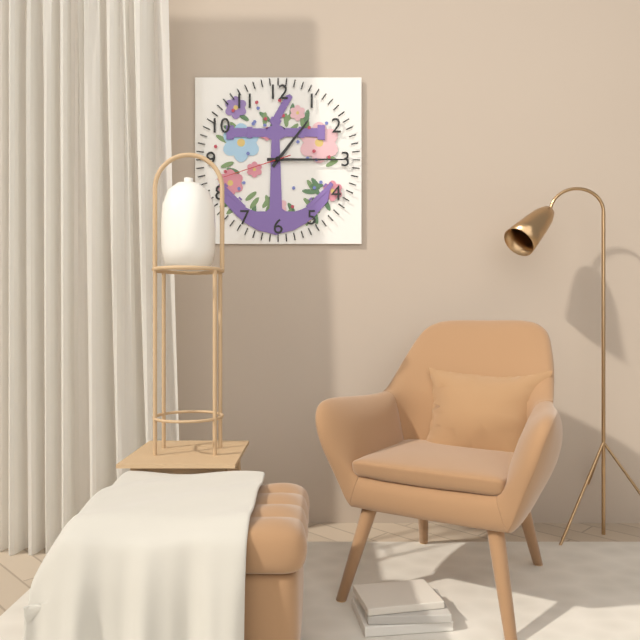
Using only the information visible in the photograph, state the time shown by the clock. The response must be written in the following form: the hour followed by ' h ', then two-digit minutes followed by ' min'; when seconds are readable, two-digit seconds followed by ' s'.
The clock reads 1 h 15 min 42 s
